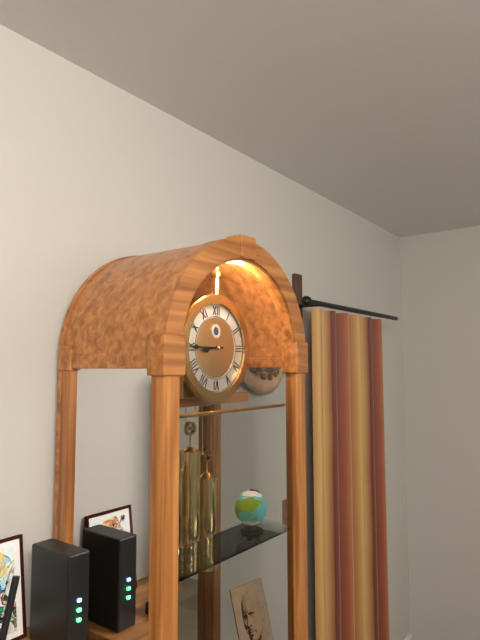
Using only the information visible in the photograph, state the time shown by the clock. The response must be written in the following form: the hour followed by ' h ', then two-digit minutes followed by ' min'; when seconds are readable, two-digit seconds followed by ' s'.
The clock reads 8 h 45 min
